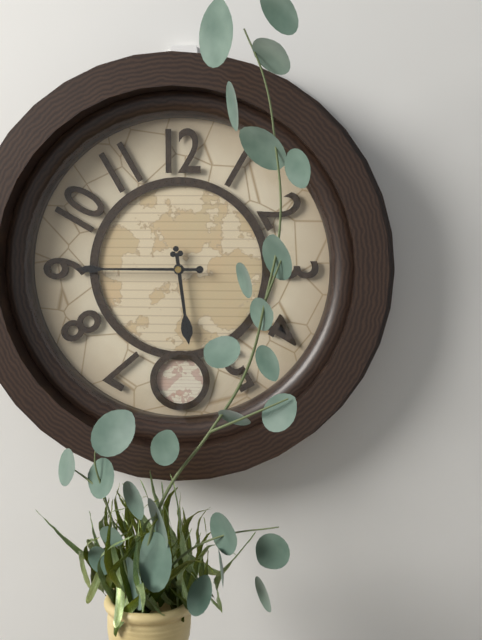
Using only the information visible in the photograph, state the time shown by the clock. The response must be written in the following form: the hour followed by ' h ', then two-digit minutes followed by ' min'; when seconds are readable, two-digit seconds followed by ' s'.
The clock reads 5 h 45 min
